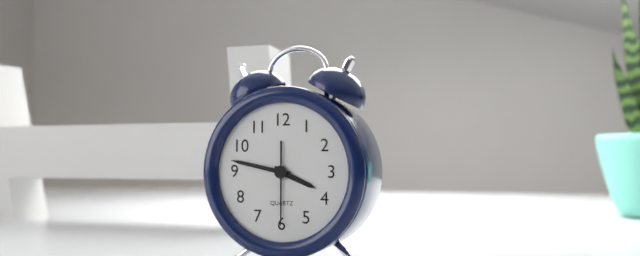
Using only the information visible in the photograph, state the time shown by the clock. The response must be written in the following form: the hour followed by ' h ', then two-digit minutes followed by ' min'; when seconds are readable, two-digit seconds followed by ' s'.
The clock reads 3 h 47 min 30 s
